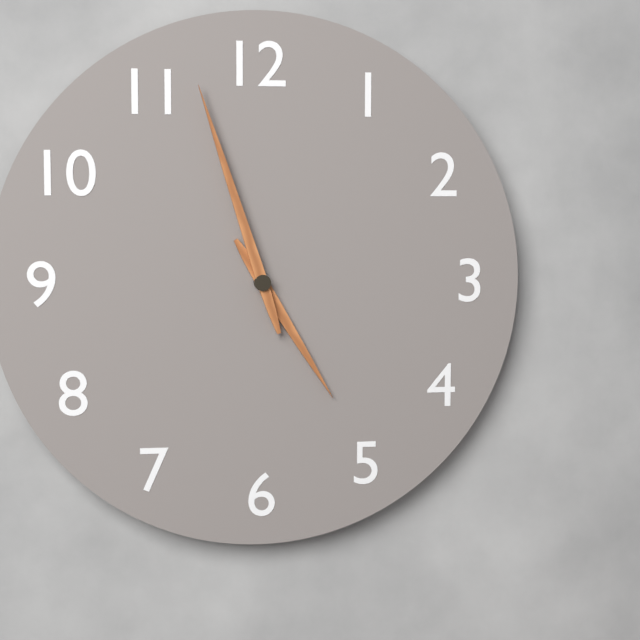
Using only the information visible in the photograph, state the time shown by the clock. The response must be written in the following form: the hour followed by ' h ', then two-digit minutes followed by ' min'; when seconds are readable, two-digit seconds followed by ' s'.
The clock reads 4 h 57 min
